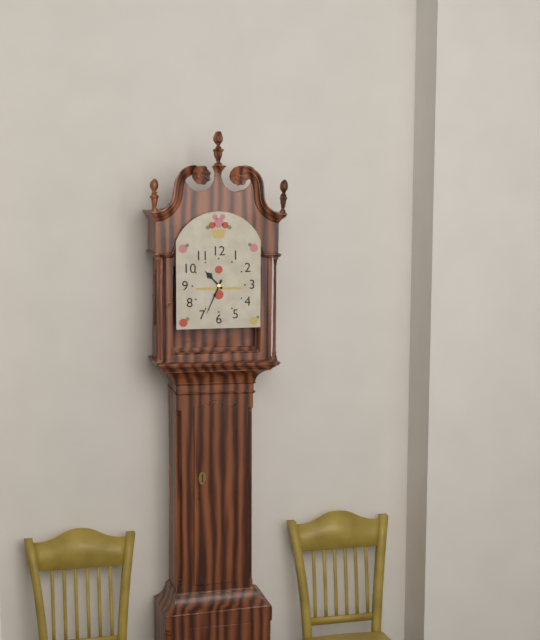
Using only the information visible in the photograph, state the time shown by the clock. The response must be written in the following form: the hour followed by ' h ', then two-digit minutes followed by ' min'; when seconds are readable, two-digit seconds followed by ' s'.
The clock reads 10 h 34 min
